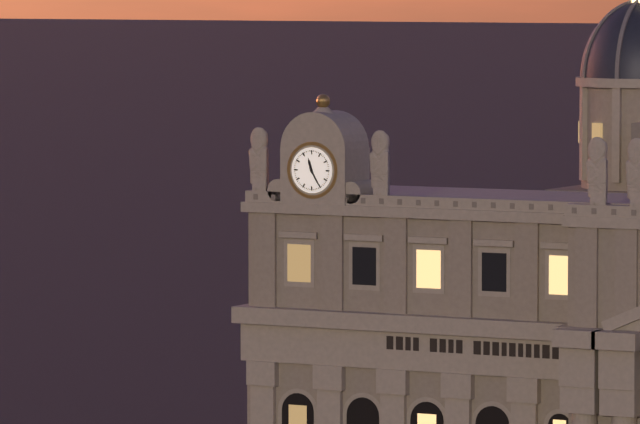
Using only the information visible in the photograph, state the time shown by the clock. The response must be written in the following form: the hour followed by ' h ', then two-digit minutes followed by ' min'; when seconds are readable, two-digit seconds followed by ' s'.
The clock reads 11 h 25 min
